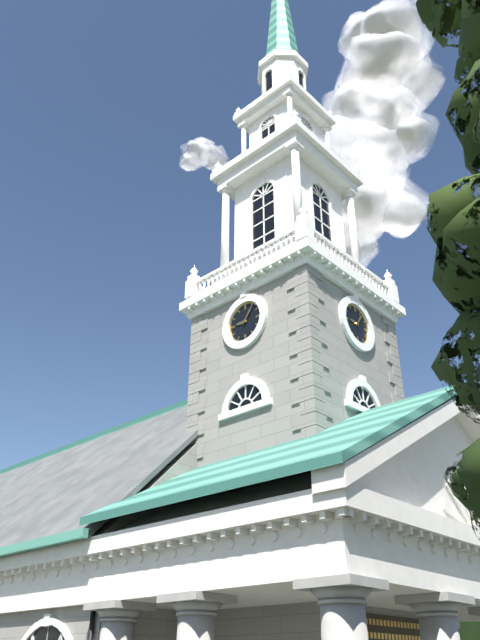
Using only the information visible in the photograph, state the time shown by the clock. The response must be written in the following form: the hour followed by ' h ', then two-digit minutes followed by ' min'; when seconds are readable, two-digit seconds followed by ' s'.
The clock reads 9 h 06 min
